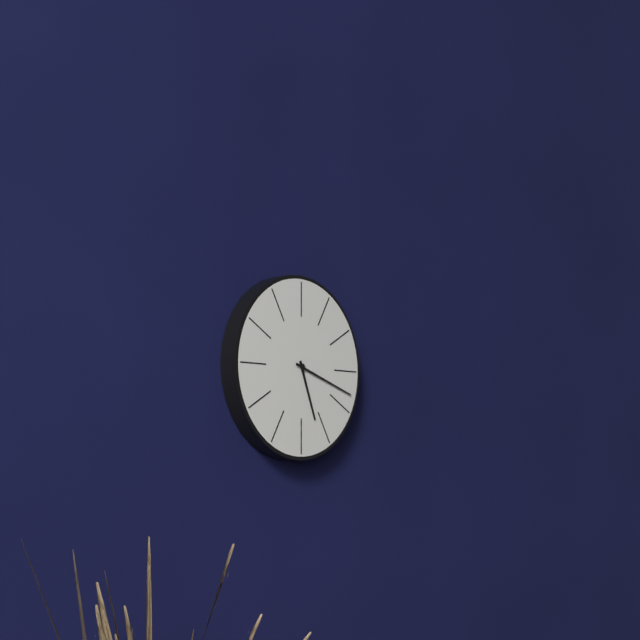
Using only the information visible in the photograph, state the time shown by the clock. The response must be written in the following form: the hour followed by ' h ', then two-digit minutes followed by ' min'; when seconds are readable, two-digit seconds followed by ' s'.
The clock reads 5 h 18 min
